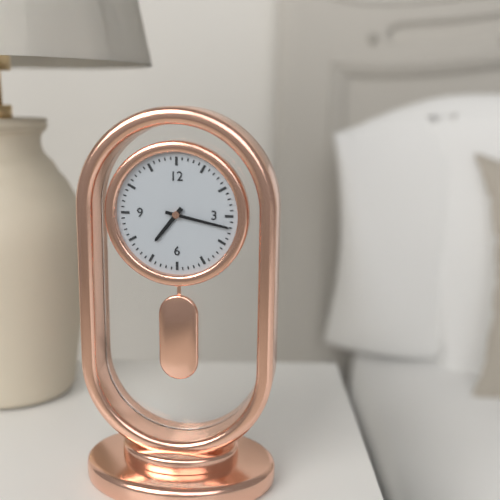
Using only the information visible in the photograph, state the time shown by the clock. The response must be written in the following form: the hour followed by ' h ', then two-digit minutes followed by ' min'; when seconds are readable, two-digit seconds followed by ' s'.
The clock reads 7 h 17 min
